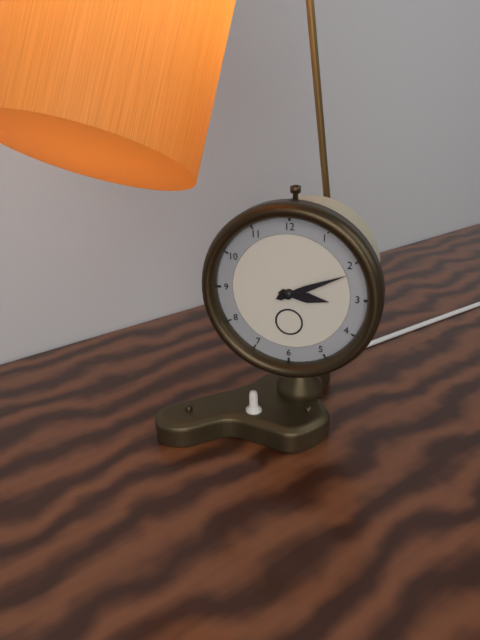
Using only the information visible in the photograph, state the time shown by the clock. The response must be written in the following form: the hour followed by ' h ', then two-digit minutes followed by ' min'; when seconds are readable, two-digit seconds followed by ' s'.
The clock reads 3 h 11 min
